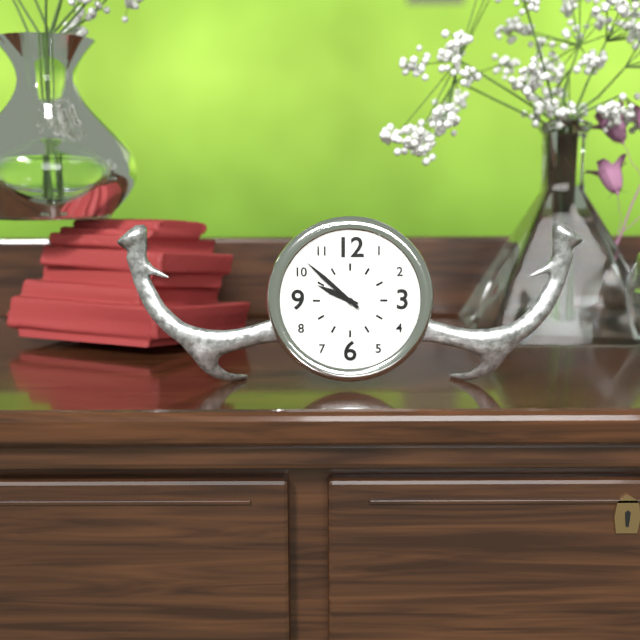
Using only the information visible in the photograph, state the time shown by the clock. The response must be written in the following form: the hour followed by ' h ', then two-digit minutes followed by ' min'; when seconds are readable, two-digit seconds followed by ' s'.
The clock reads 9 h 52 min
